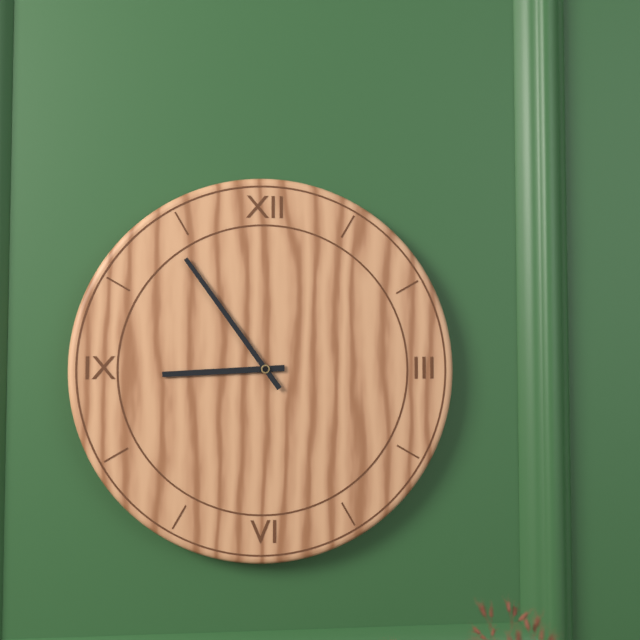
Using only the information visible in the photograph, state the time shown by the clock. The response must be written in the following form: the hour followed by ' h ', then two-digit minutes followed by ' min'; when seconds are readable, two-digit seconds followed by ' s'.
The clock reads 8 h 54 min
